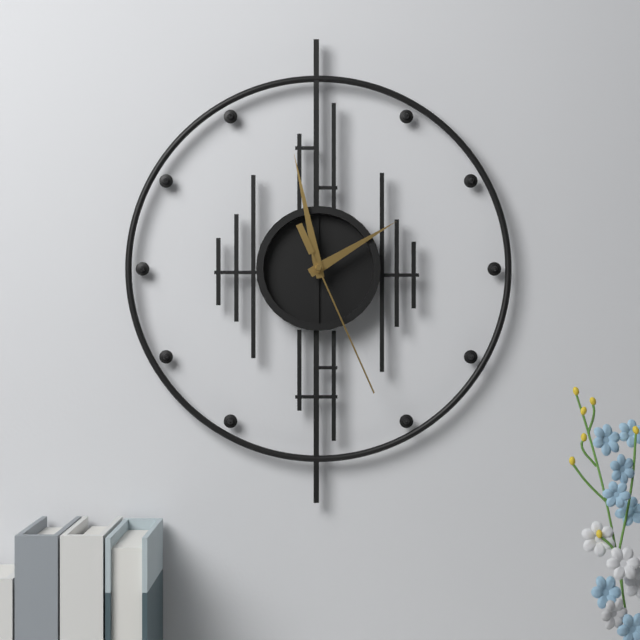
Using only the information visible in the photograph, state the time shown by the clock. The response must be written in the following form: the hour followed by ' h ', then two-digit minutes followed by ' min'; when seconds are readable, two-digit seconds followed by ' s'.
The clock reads 1 h 58 min 26 s
